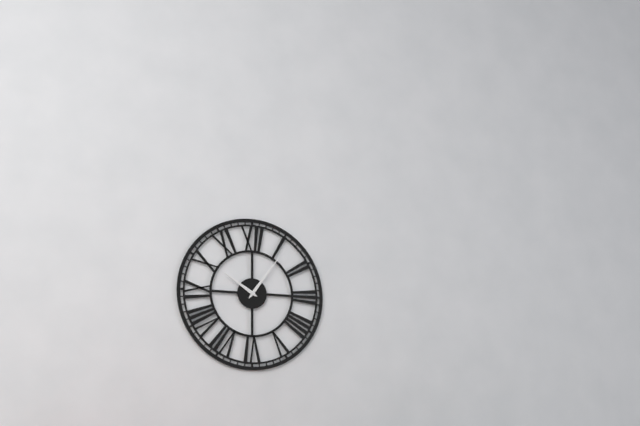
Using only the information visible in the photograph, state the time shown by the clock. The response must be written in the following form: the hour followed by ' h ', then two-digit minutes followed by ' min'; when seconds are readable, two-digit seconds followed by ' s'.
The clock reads 10 h 06 min
